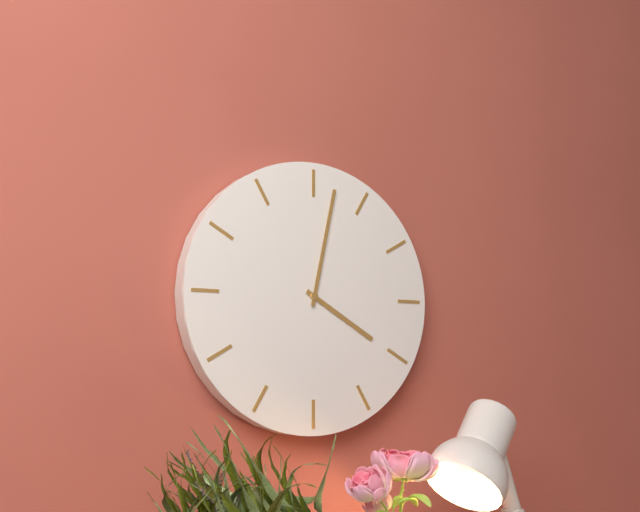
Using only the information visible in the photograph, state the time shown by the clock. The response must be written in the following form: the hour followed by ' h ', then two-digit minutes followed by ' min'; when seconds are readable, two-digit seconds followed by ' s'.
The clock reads 4 h 02 min
